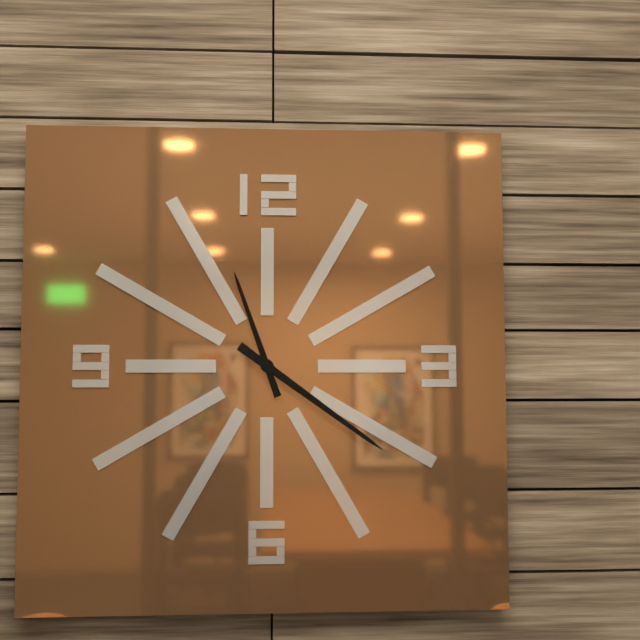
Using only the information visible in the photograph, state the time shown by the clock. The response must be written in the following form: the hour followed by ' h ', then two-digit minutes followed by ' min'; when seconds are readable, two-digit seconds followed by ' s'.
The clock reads 11 h 21 min
